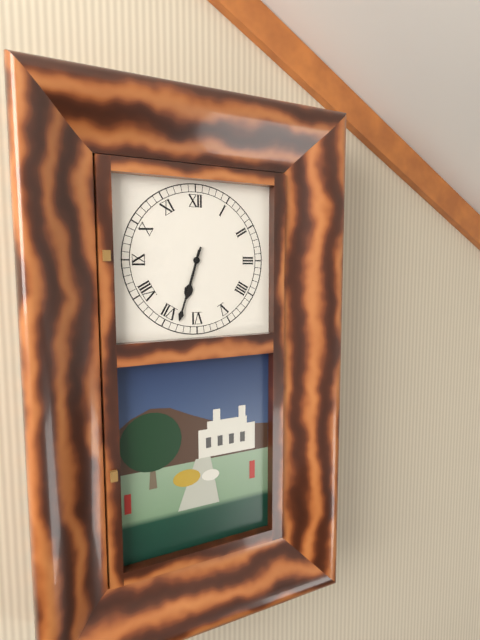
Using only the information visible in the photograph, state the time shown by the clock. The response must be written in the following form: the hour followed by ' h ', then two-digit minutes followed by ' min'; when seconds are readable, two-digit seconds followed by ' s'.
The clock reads 6 h 33 min
